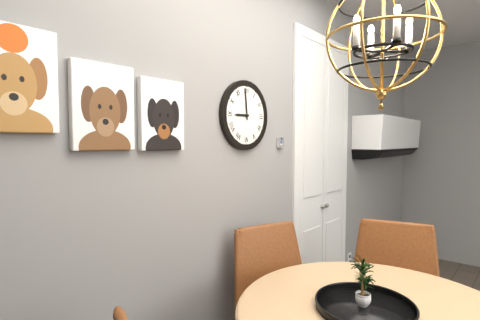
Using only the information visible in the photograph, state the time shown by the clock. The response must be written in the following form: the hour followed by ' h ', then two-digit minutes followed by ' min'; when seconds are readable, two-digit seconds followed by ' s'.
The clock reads 8 h 59 min
